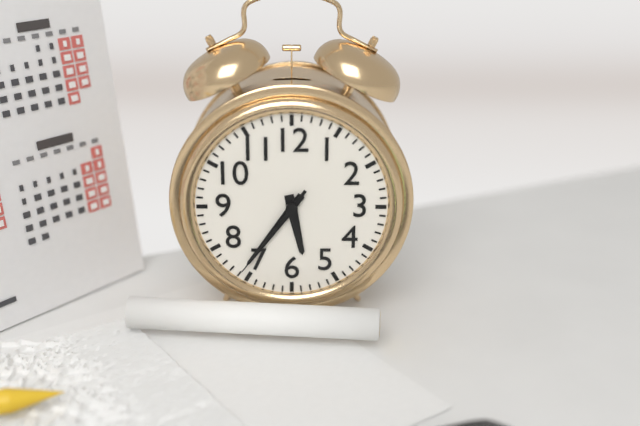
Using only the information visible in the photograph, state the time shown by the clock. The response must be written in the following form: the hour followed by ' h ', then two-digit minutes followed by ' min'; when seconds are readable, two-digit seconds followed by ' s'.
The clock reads 5 h 36 min 36 s
